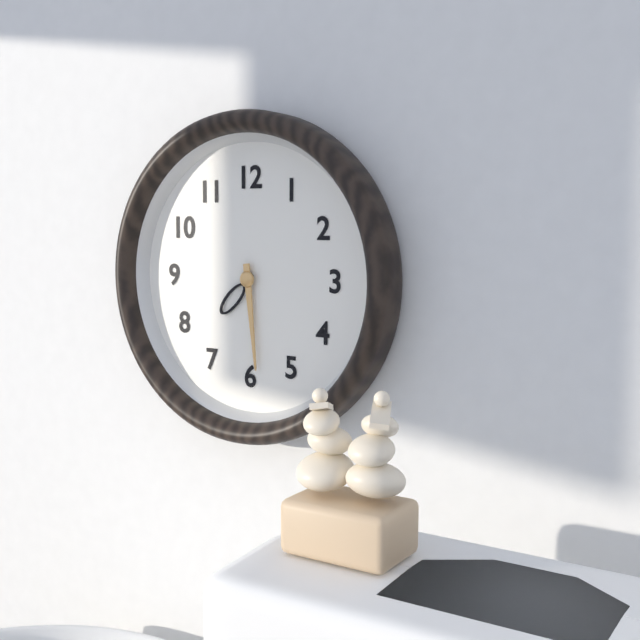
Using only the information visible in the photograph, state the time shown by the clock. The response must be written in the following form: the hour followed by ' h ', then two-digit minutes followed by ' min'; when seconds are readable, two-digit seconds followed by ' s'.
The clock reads 7 h 29 min
